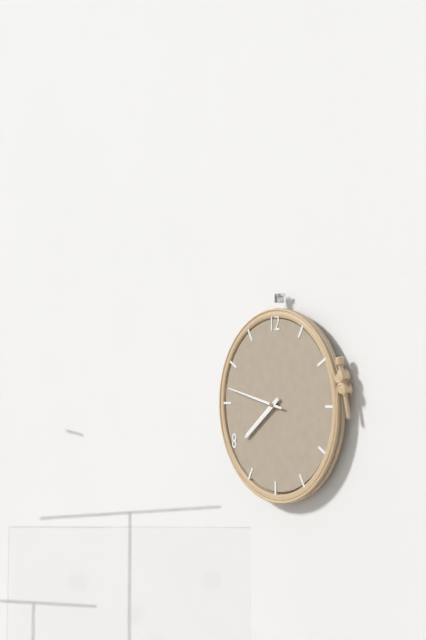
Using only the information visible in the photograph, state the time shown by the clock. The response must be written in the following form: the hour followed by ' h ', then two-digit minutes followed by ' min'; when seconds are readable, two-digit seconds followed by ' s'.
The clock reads 7 h 47 min
